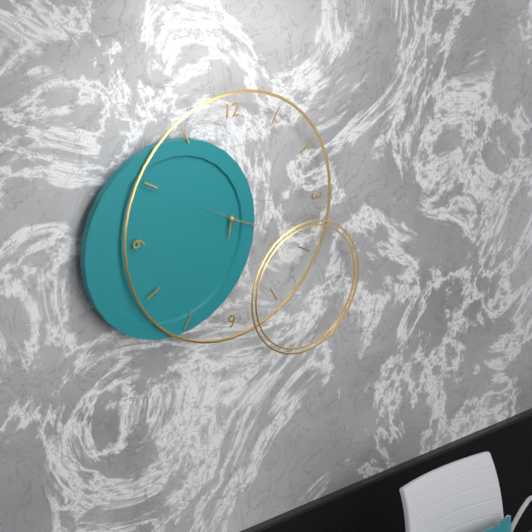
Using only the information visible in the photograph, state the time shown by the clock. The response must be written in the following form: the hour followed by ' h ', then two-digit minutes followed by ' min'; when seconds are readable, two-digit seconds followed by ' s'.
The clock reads 6 h 19 min
